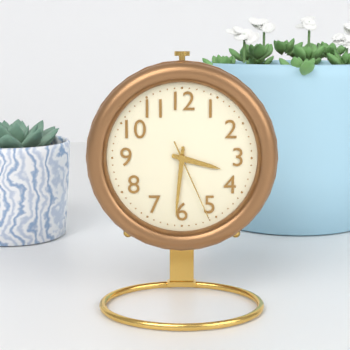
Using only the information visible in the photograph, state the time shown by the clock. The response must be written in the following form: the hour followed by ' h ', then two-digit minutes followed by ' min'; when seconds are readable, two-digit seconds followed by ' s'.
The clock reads 3 h 31 min 26 s
